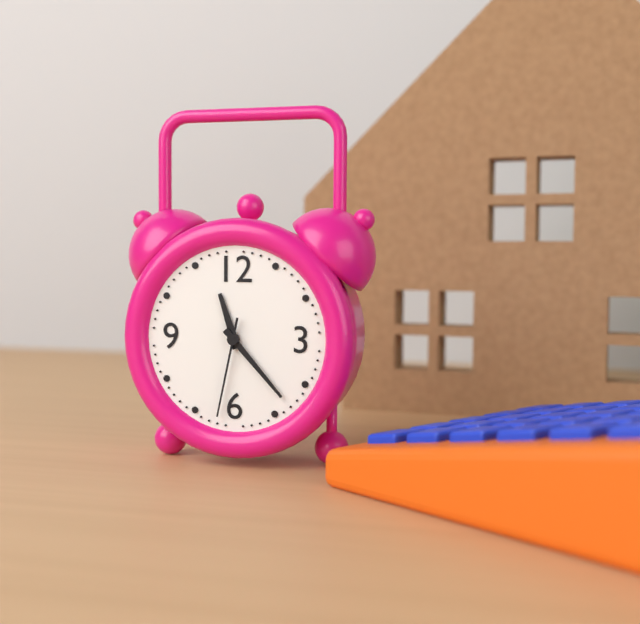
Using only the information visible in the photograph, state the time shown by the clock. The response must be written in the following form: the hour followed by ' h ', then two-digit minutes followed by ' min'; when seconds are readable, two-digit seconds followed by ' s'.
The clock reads 11 h 23 min 32 s
